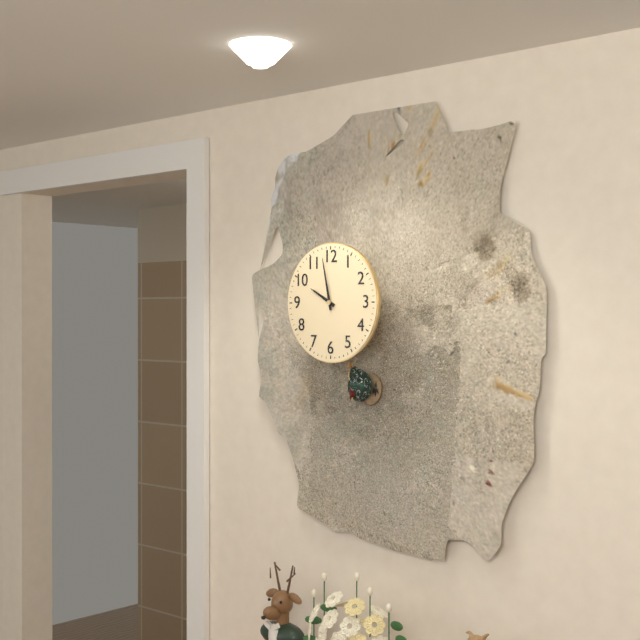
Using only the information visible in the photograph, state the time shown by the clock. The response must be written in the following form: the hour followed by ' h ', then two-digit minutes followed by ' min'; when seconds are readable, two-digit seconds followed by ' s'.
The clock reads 9 h 58 min
